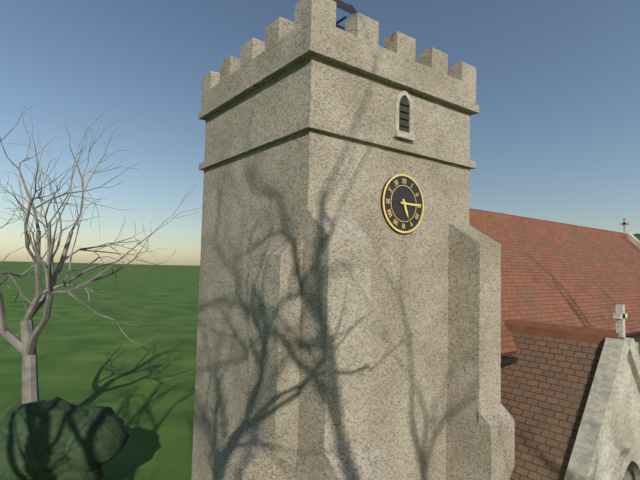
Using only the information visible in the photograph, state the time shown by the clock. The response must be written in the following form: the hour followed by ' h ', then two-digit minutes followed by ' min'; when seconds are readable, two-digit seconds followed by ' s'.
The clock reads 5 h 15 min
